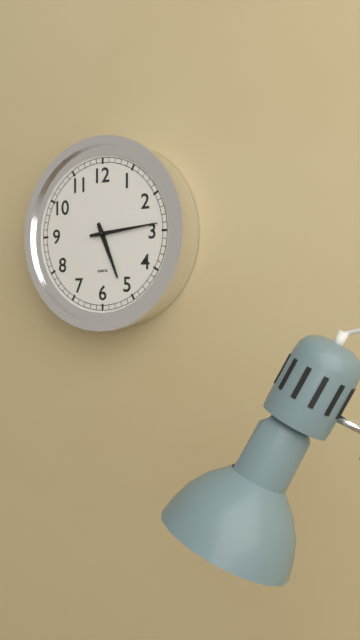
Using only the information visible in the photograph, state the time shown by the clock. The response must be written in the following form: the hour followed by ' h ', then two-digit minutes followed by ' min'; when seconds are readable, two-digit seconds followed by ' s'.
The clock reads 5 h 14 min
